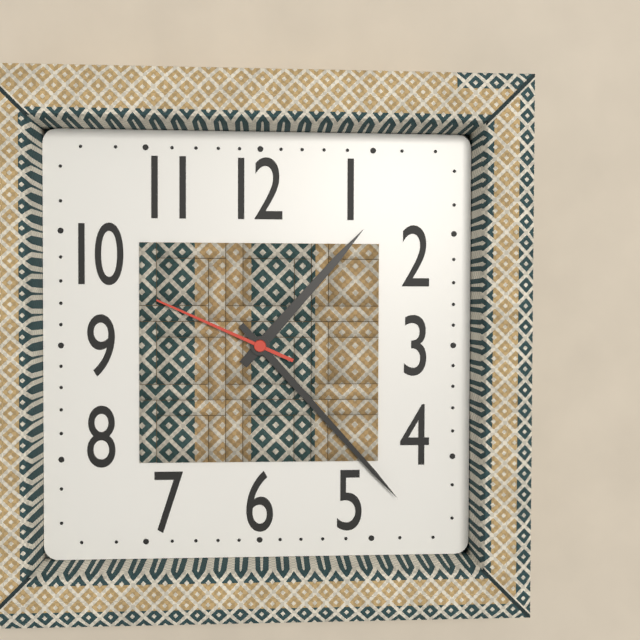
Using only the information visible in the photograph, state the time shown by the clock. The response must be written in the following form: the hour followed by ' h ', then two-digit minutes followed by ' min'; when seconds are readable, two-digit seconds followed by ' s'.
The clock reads 1 h 23 min 49 s
